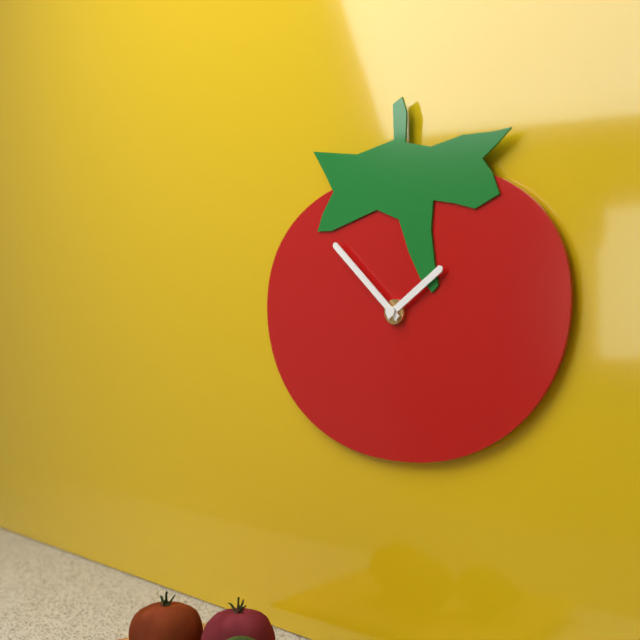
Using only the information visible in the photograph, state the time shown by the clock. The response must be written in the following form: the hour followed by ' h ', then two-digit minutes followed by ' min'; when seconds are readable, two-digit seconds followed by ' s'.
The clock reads 1 h 52 min
